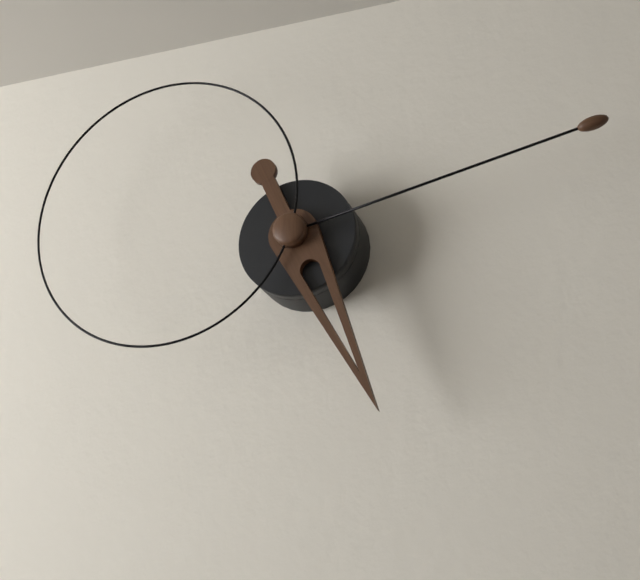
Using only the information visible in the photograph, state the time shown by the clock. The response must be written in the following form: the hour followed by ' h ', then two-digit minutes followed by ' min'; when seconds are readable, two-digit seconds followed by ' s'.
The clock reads 5 h 13 min 48 s
